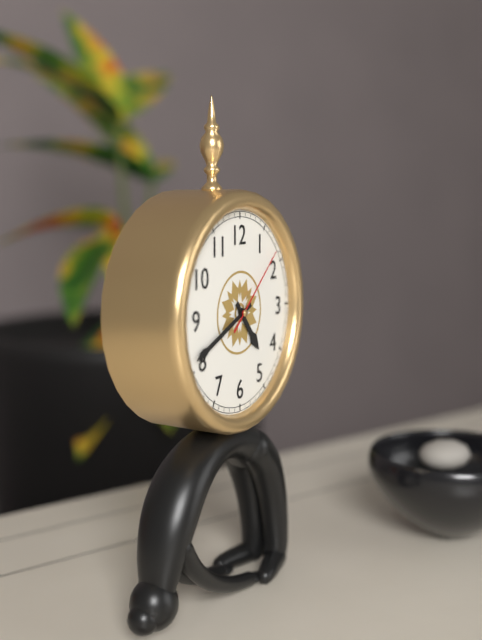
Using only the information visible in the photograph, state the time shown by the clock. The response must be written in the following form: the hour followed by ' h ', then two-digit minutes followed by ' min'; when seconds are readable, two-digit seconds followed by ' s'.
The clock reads 4 h 41 min 08 s
